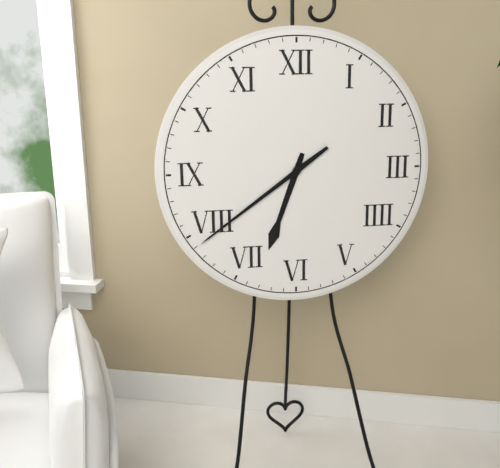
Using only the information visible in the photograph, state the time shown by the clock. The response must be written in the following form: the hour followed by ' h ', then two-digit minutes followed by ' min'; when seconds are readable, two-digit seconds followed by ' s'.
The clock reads 6 h 39 min
